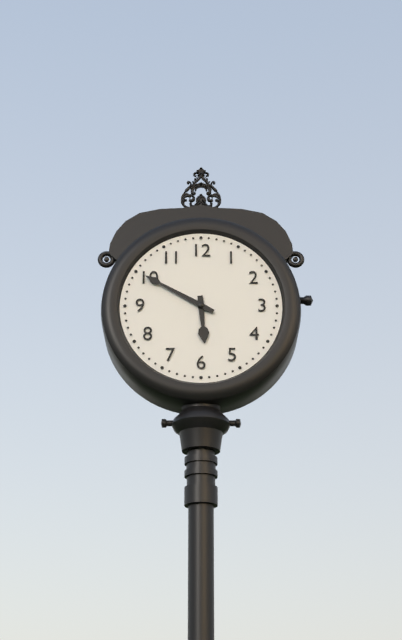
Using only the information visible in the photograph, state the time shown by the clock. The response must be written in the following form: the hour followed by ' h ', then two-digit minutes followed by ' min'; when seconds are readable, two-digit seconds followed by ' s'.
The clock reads 5 h 50 min
